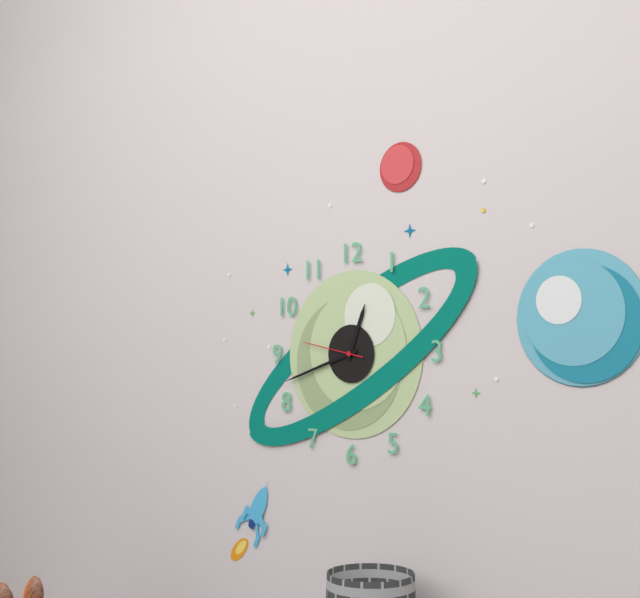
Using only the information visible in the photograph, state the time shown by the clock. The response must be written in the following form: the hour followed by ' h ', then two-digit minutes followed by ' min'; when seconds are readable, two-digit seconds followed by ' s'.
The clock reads 12 h 42 min 47 s
